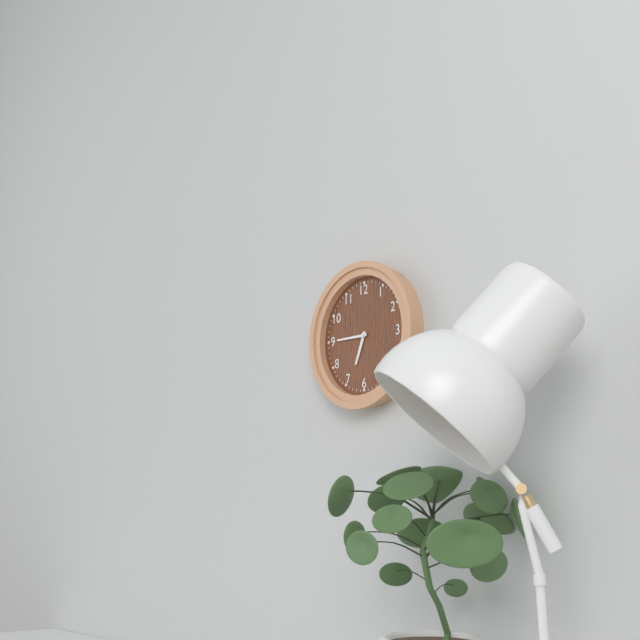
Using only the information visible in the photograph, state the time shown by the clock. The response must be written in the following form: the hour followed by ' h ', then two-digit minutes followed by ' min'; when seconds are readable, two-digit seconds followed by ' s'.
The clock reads 6 h 45 min
